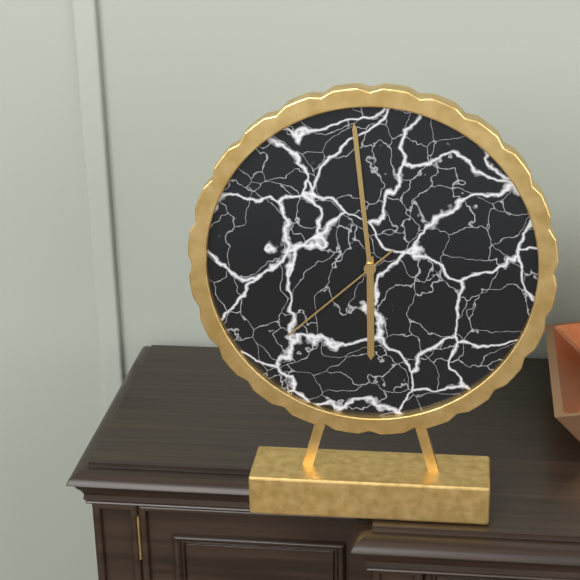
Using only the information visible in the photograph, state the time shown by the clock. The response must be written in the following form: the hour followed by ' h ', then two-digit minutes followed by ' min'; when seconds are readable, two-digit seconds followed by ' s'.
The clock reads 5 h 59 min 38 s
